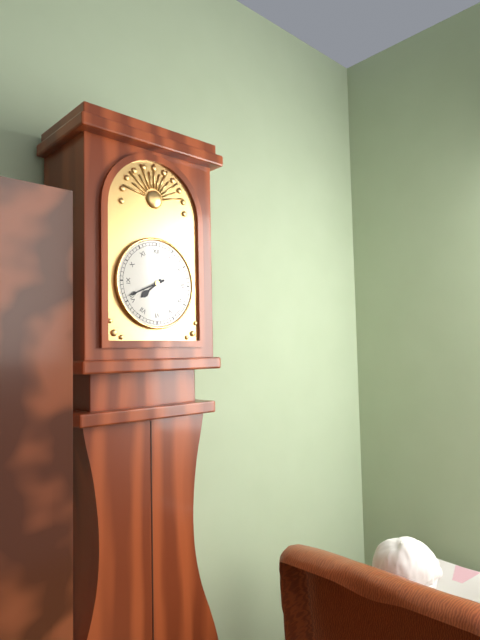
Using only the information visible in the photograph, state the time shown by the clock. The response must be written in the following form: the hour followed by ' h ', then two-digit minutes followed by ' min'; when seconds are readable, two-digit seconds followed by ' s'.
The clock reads 7 h 41 min
